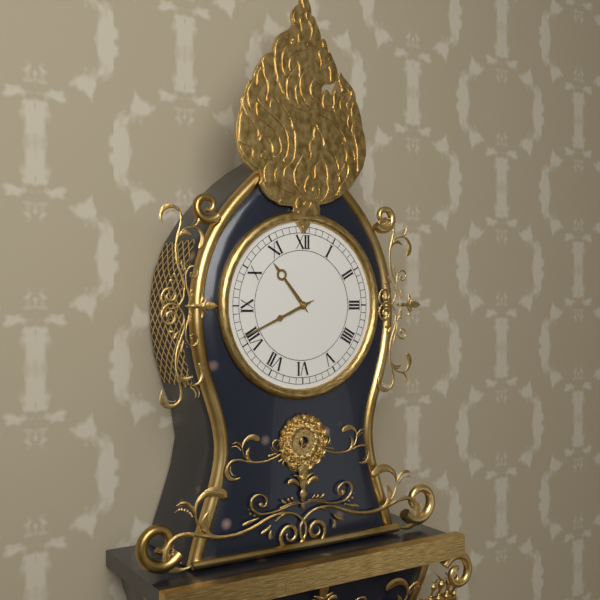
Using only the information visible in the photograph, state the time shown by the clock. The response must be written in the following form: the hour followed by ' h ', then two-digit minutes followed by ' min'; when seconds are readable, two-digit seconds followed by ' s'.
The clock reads 10 h 41 min
